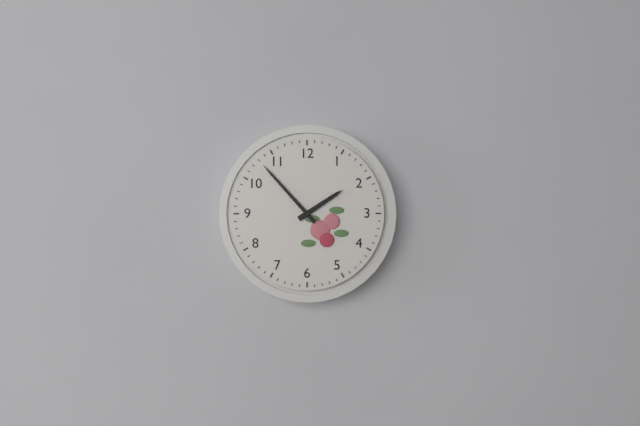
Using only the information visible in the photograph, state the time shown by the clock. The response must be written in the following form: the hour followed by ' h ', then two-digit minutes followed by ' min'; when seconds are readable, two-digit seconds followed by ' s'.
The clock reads 1 h 53 min
